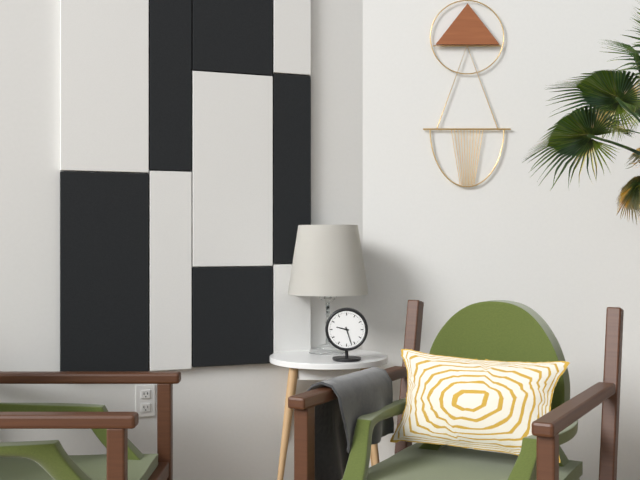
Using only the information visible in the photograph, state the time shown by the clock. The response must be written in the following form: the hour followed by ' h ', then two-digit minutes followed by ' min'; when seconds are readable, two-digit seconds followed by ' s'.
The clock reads 9 h 27 min
